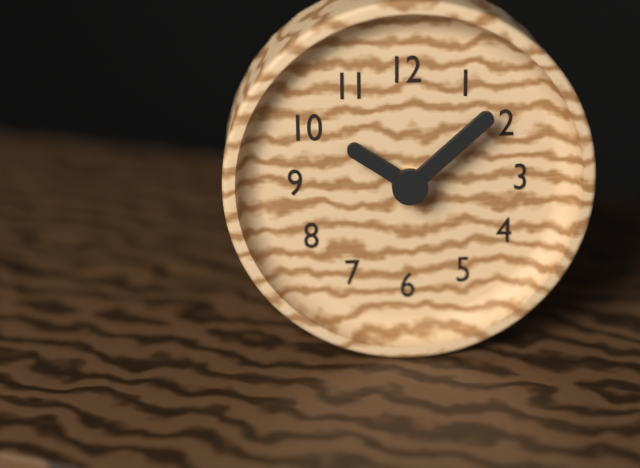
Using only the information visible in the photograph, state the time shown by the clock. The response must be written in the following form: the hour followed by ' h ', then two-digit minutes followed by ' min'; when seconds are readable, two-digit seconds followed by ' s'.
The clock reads 10 h 08 min
